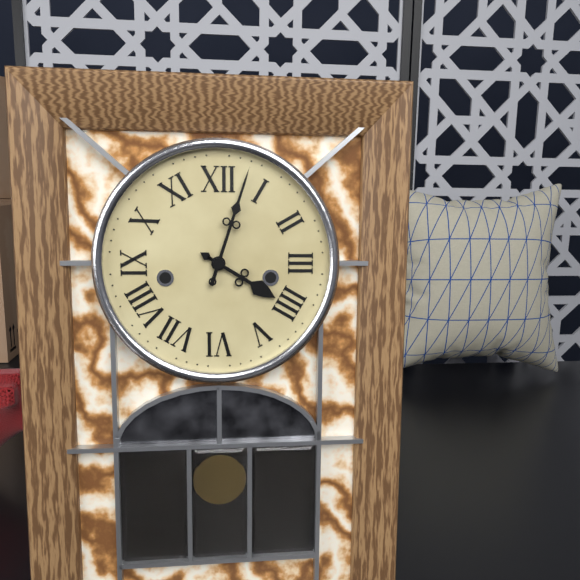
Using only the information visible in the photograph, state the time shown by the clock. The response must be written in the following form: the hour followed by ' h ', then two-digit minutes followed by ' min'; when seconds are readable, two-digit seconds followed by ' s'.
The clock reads 4 h 03 min
